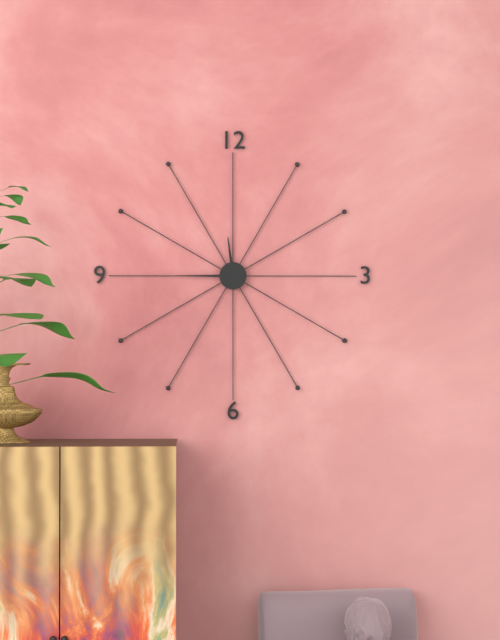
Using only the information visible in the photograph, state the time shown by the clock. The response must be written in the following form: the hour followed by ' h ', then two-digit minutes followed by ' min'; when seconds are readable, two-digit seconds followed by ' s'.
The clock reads 11 h 45 min
